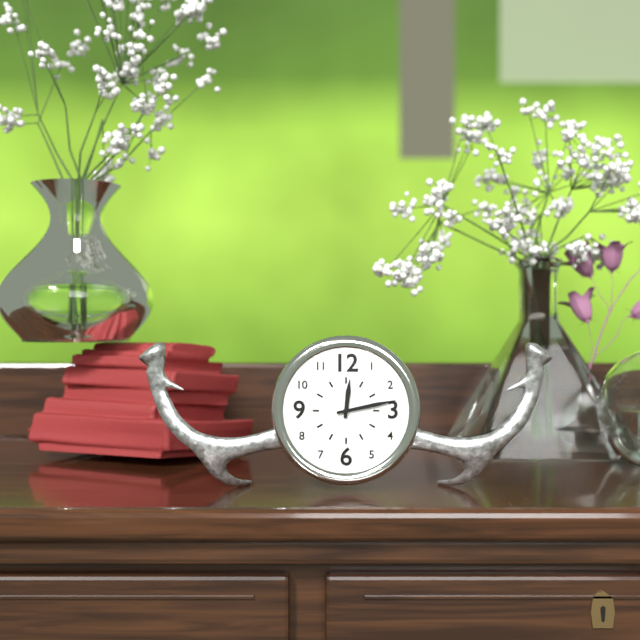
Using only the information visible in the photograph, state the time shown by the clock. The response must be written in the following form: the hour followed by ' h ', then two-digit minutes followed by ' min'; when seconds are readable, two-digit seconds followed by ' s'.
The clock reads 12 h 13 min
